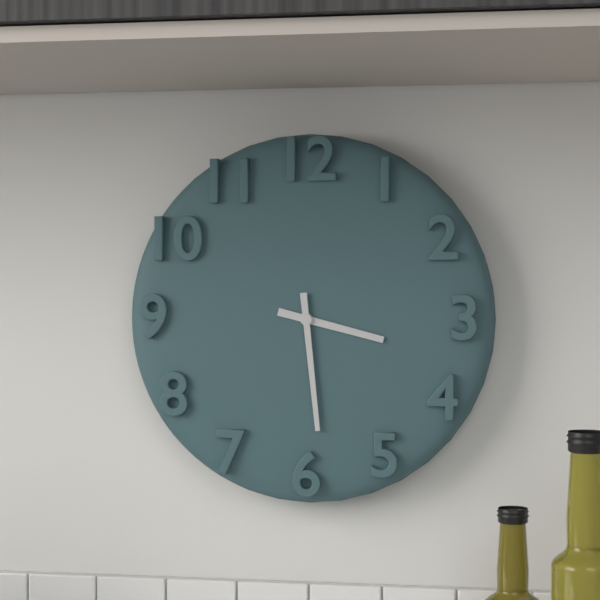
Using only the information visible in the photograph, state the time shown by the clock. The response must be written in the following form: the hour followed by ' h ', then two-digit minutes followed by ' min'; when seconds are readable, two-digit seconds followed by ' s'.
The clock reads 3 h 29 min
